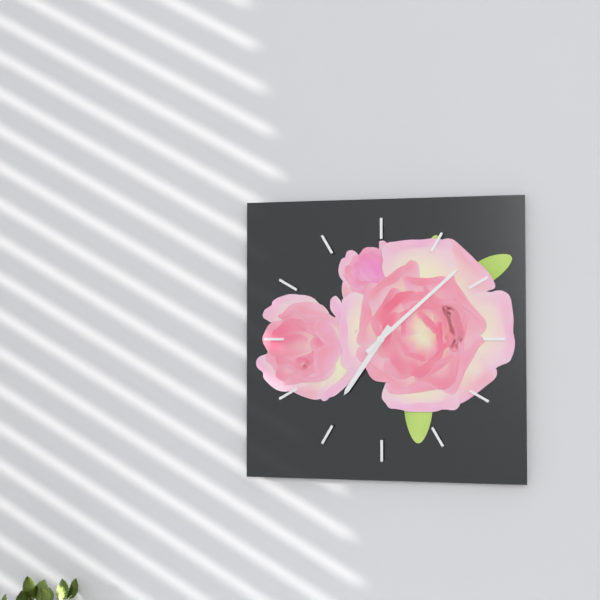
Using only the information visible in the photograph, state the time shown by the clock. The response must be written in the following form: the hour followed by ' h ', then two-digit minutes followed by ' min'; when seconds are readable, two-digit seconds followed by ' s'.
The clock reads 7 h 08 min
